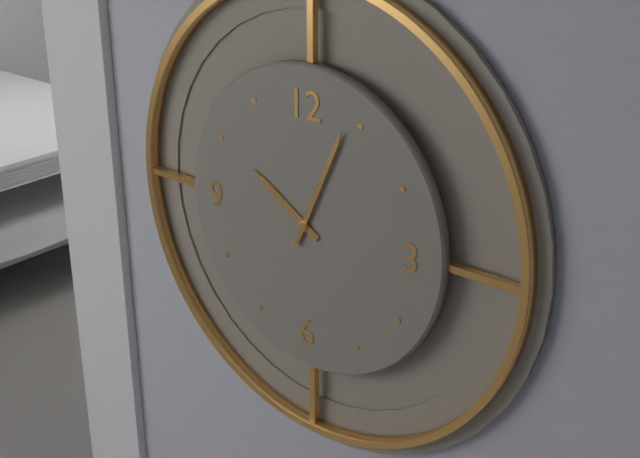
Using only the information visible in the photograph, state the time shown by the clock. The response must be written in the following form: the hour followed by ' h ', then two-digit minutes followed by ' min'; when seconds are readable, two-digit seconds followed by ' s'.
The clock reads 10 h 04 min
